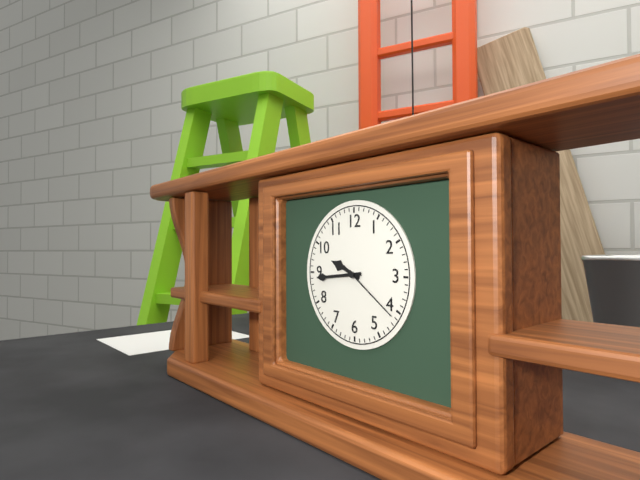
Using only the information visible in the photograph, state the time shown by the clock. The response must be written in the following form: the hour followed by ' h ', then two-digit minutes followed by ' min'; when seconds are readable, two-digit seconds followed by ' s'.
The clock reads 9 h 44 min 21 s
